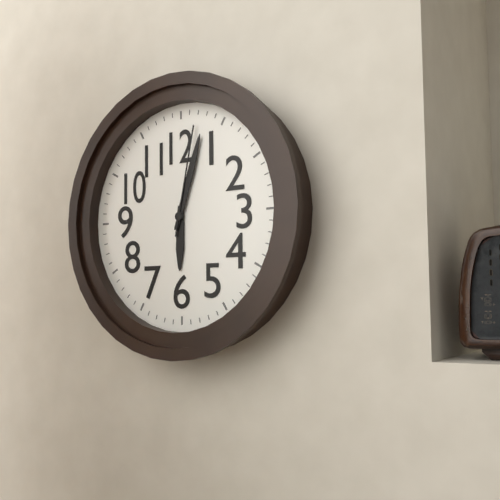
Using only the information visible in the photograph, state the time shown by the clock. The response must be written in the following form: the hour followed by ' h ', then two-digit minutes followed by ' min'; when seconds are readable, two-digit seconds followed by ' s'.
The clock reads 6 h 03 min 02 s
